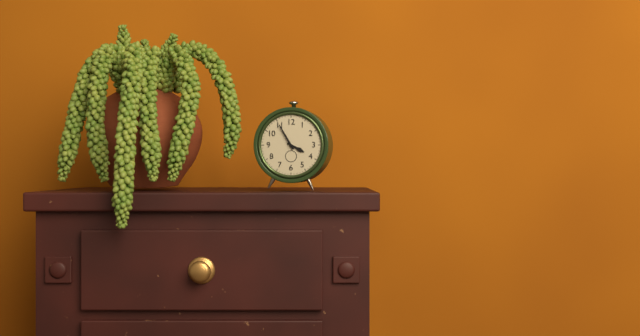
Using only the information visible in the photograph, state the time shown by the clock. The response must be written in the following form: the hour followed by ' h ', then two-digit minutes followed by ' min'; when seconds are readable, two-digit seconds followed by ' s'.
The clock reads 3 h 55 min
